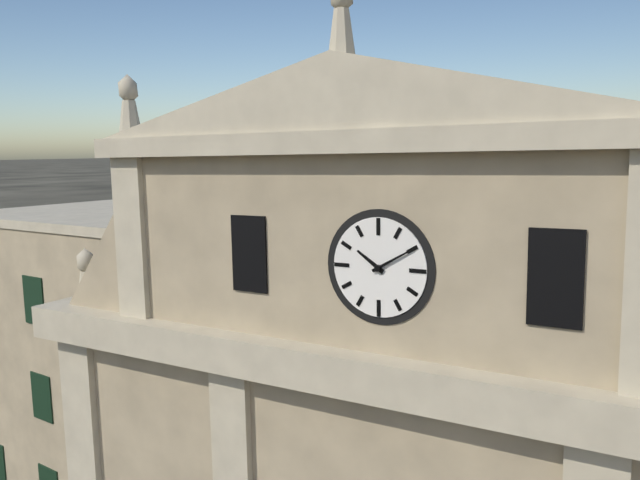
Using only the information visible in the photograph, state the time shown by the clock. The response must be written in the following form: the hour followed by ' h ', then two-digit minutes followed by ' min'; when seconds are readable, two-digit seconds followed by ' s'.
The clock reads 10 h 10 min
